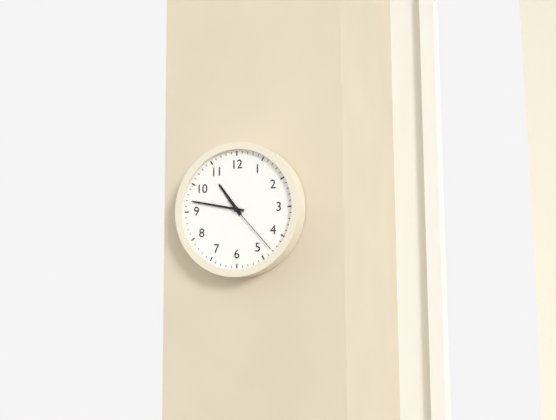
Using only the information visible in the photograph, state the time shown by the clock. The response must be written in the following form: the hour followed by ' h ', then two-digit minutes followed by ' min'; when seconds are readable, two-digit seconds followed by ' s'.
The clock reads 10 h 47 min 23 s
